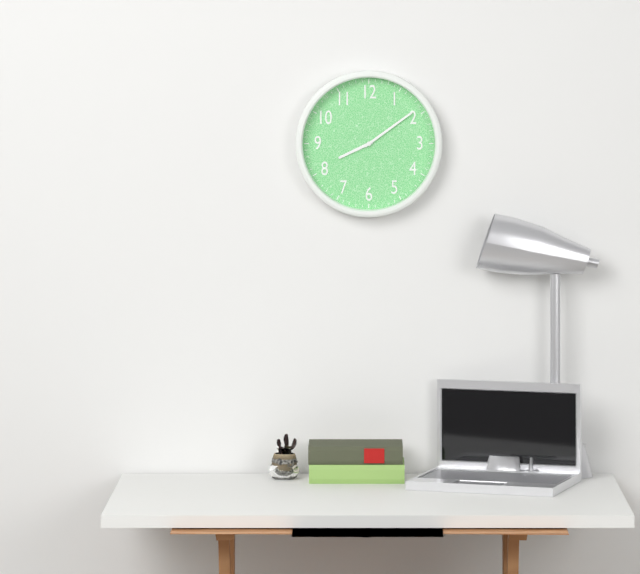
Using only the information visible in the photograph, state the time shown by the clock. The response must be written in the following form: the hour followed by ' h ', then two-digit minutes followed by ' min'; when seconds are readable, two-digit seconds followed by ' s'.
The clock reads 8 h 09 min
